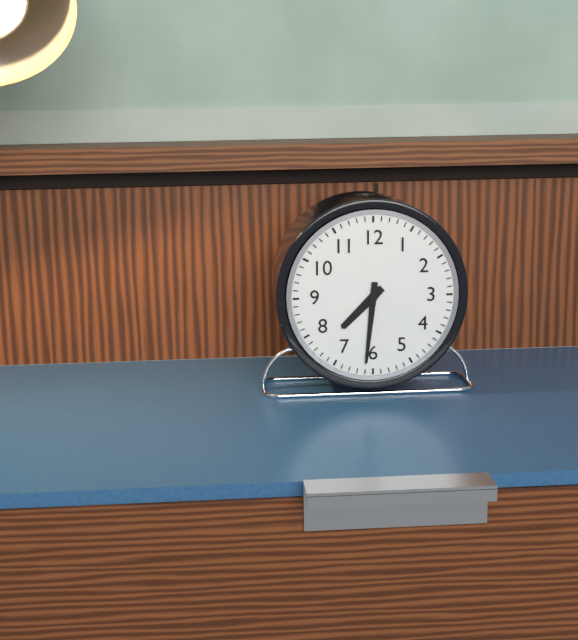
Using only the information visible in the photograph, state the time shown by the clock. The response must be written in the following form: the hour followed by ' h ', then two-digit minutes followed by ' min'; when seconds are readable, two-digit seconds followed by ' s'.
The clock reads 7 h 31 min
